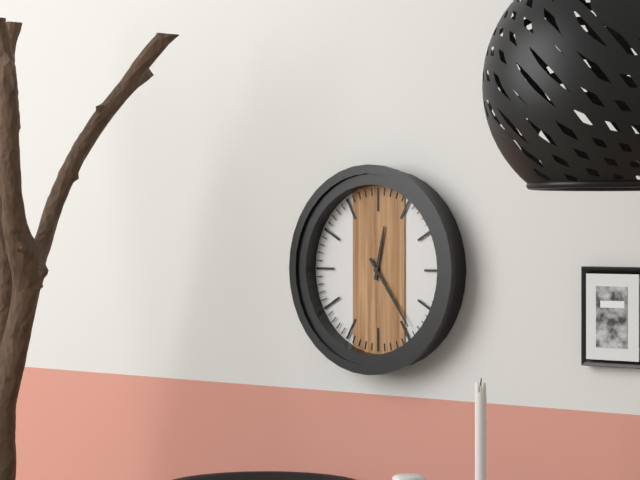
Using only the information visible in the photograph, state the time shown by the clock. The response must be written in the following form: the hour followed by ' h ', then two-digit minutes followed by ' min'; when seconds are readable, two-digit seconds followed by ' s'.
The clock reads 12 h 24 min
